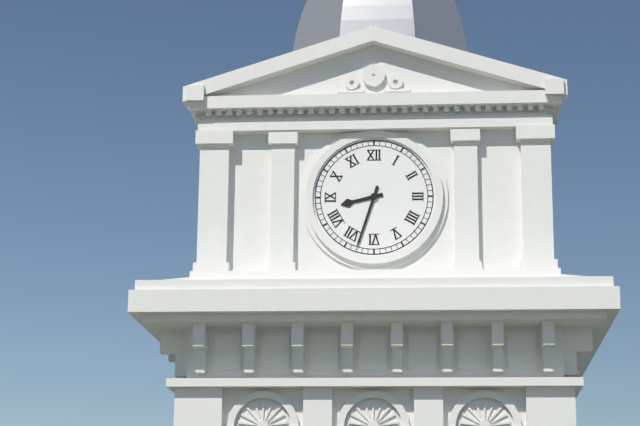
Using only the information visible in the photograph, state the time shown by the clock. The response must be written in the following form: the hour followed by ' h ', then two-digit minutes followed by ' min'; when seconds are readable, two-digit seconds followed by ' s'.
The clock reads 8 h 33 min
